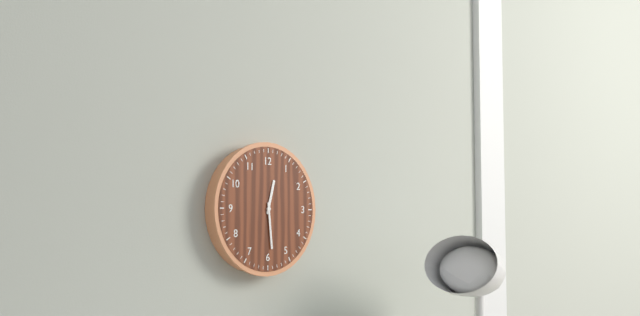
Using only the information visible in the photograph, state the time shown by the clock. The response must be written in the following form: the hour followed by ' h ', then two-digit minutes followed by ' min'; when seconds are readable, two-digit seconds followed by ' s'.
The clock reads 12 h 29 min
